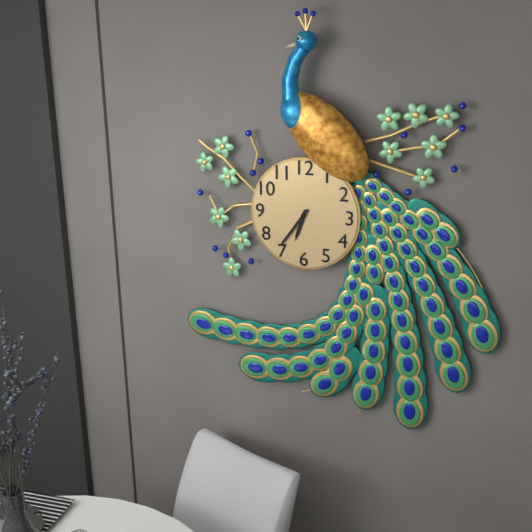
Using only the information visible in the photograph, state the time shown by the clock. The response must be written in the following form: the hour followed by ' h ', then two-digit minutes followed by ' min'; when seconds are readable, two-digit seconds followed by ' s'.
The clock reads 6 h 36 min
